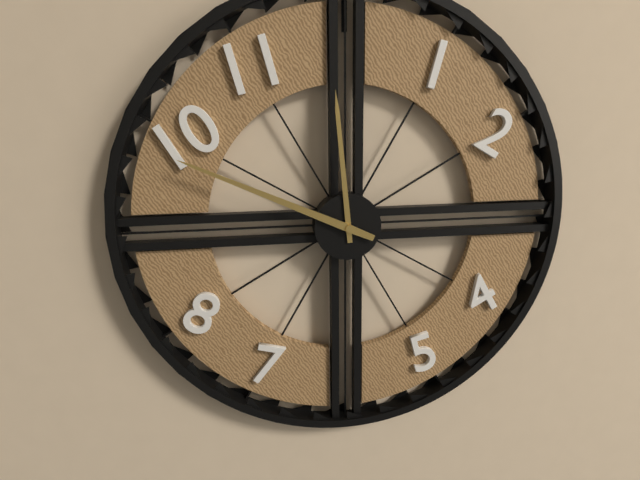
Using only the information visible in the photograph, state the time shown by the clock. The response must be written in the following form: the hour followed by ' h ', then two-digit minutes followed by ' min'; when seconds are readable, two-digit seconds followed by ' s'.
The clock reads 11 h 49 min
